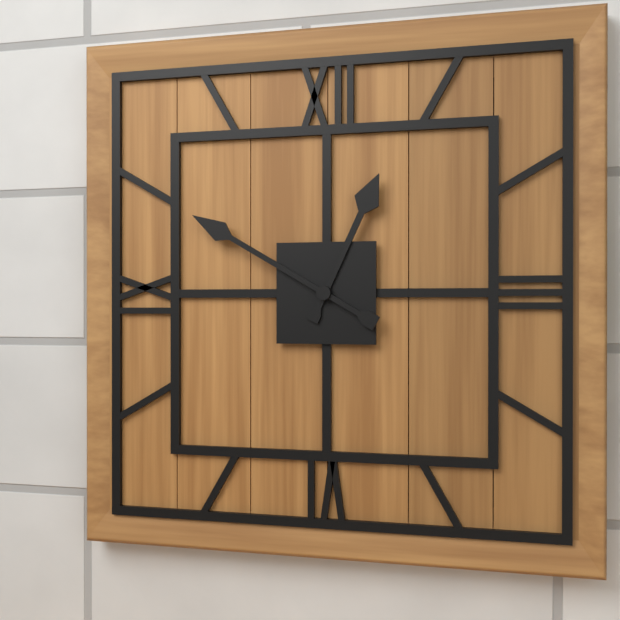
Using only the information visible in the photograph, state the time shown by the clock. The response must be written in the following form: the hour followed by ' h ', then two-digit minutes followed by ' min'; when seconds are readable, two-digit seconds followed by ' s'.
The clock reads 12 h 50 min
